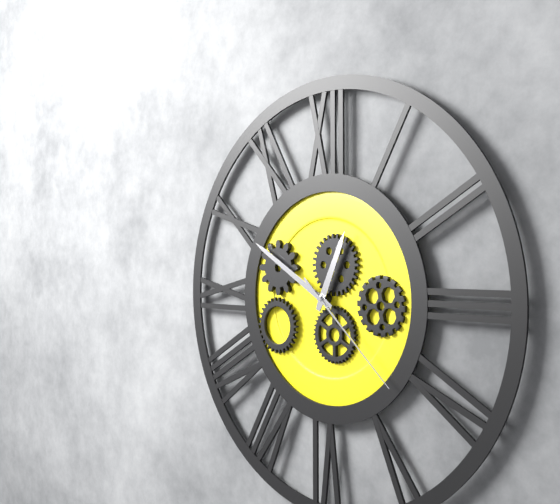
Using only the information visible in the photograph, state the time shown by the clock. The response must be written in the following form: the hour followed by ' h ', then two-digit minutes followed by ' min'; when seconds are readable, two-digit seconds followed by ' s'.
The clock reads 12 h 50 min 22 s
